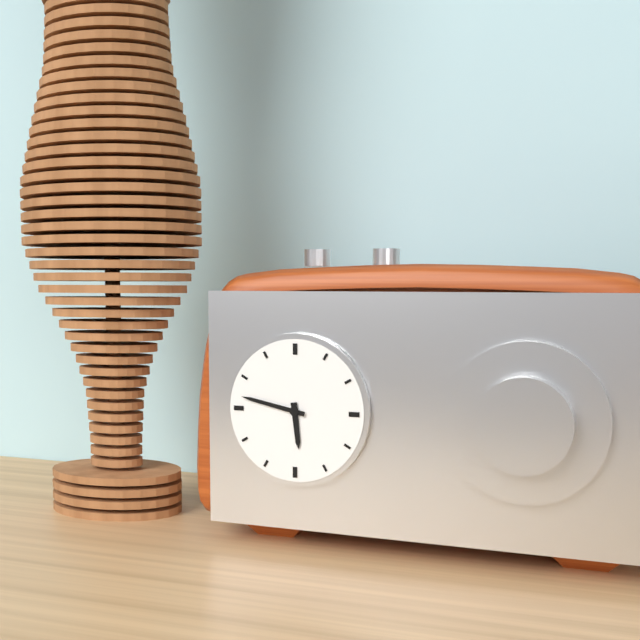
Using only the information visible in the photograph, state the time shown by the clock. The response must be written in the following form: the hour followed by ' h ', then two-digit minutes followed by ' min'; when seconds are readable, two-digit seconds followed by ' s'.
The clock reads 5 h 47 min
